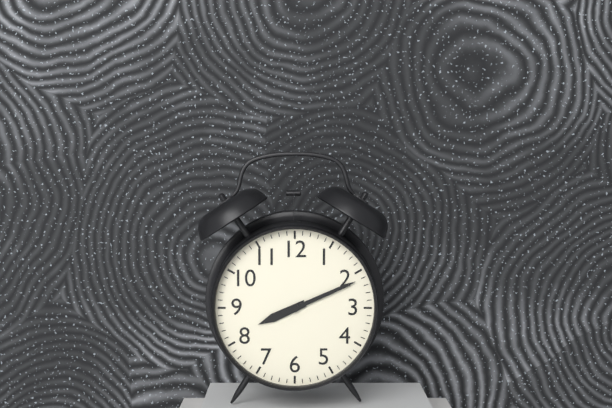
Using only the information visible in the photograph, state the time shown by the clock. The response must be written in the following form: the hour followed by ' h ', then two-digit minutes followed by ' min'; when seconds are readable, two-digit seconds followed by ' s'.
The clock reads 8 h 11 min
